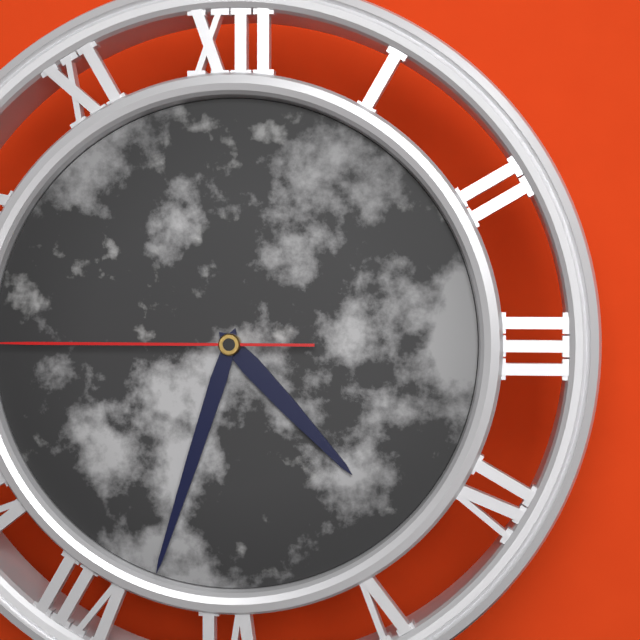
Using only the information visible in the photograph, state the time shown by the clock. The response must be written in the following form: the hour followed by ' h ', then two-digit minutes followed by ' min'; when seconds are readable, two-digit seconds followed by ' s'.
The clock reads 4 h 33 min
